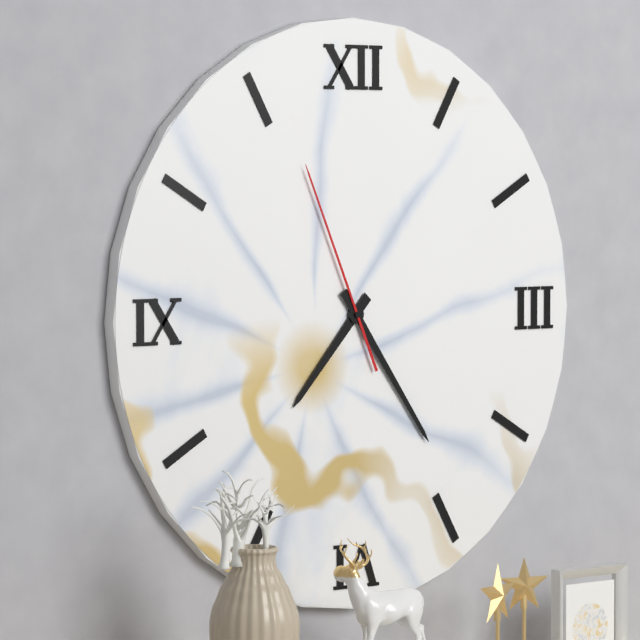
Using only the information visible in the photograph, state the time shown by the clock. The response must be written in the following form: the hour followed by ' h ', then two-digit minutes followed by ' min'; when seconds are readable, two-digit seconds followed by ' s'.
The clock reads 7 h 24 min 56 s
